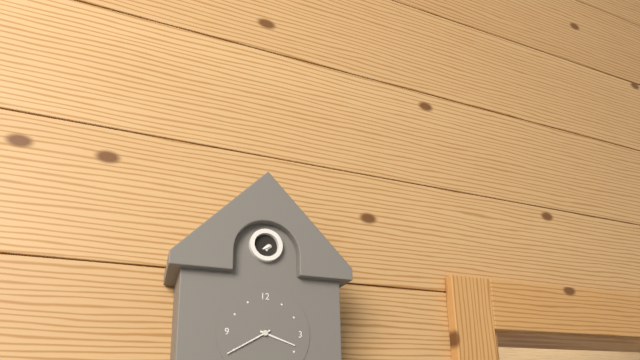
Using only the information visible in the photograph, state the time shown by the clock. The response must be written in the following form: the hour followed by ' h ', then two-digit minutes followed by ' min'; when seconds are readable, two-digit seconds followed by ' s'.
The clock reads 3 h 40 min
